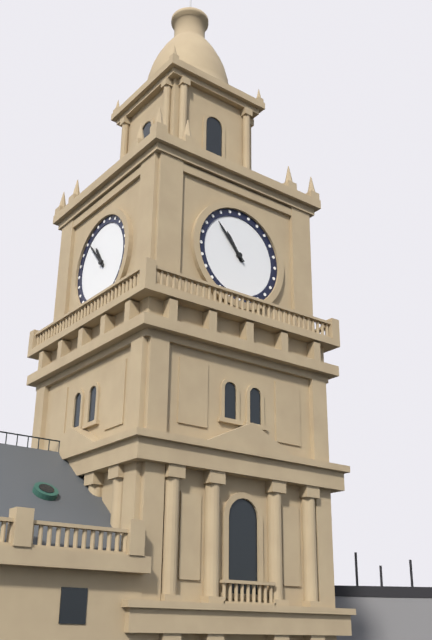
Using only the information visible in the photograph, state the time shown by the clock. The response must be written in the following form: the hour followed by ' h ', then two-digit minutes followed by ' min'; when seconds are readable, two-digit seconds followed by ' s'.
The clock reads 10 h 53 min
